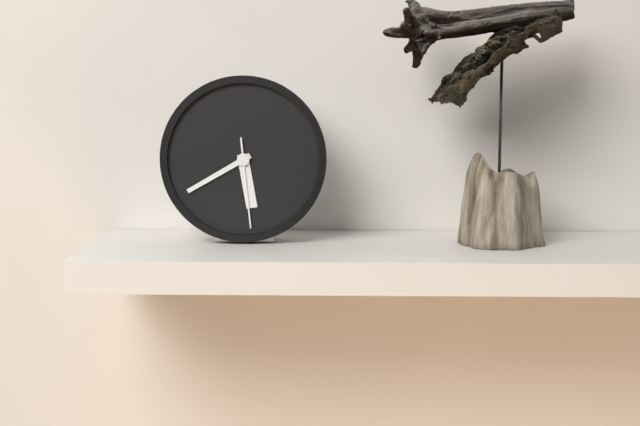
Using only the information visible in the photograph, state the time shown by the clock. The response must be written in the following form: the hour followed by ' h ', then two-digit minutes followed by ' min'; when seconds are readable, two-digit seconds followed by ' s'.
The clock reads 5 h 40 min 29 s
